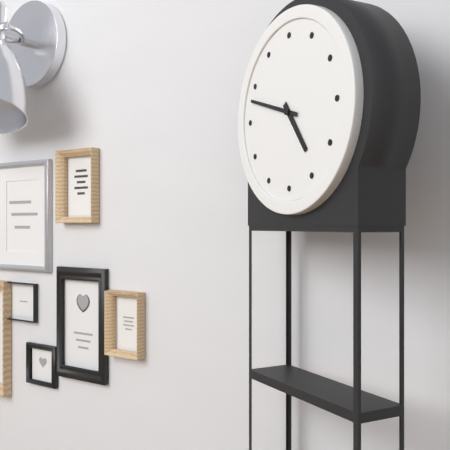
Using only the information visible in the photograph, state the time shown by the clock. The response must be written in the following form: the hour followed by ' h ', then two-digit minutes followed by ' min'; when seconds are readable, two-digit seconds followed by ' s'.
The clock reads 4 h 48 min
